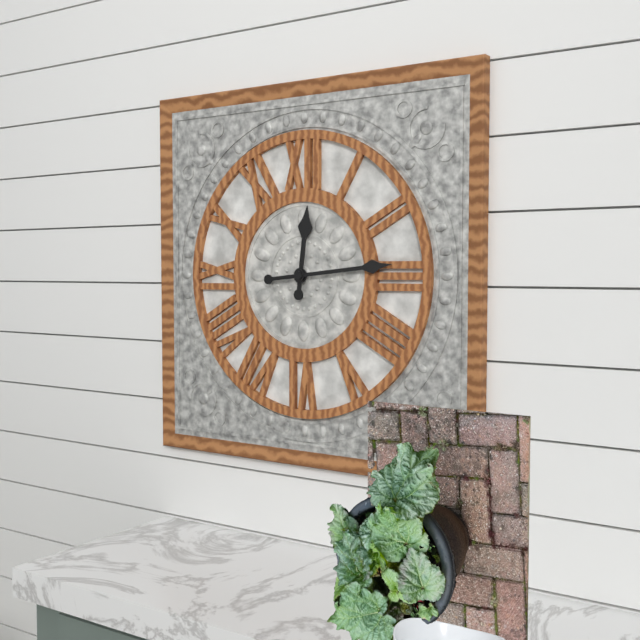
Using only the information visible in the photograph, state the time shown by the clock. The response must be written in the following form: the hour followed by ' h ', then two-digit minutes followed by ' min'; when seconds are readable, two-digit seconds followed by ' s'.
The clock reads 12 h 14 min
